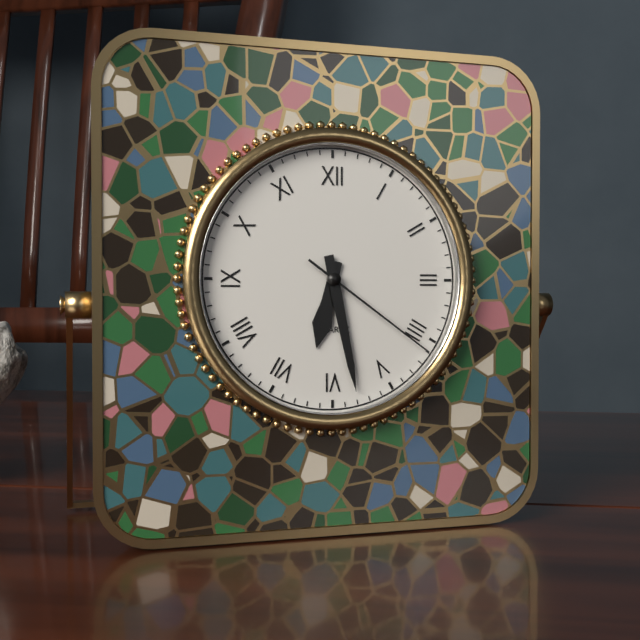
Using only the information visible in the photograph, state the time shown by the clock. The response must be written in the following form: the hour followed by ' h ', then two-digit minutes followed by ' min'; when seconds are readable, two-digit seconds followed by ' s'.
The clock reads 6 h 28 min 21 s
